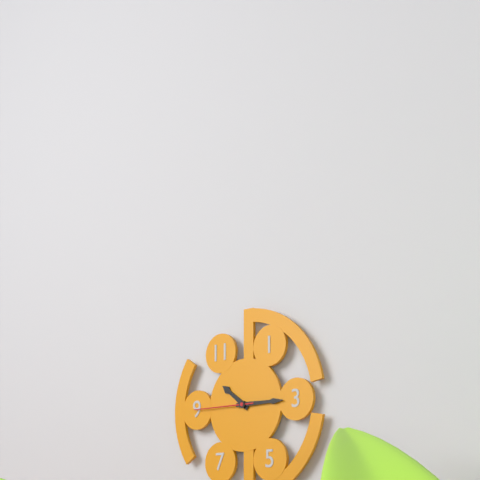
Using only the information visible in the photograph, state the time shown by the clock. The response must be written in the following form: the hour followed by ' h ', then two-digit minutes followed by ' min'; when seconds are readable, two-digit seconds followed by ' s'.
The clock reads 10 h 15 min 45 s
